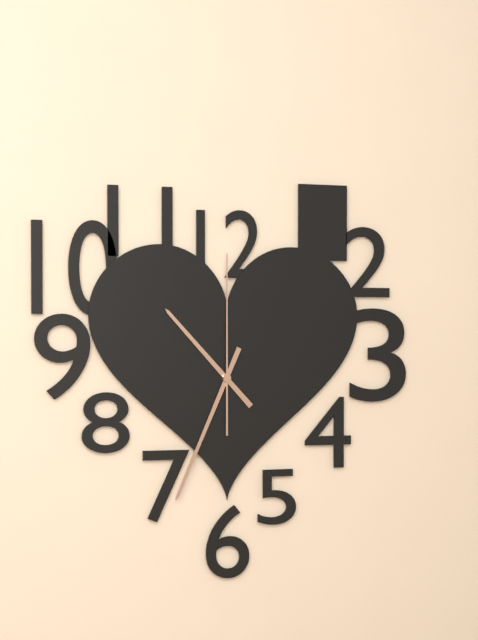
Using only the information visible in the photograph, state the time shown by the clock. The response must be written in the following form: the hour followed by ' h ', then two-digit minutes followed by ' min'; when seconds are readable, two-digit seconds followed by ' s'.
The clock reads 10 h 34 min 00 s
